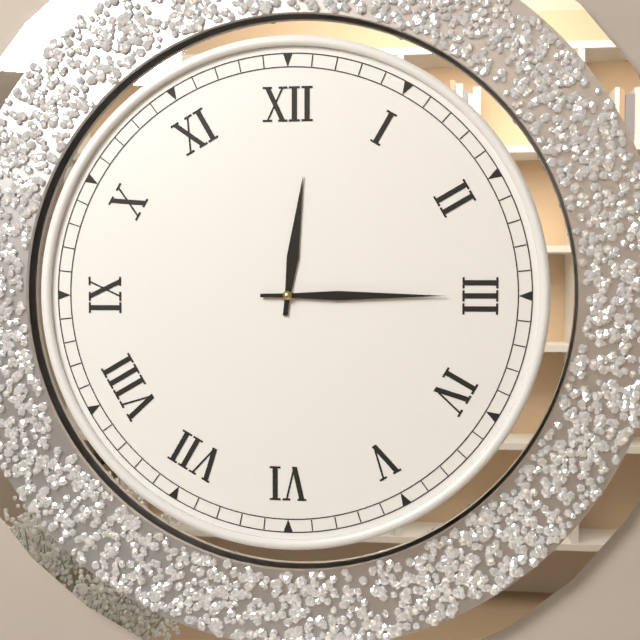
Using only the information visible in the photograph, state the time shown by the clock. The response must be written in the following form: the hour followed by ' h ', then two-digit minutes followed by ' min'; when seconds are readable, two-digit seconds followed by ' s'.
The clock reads 12 h 15 min
